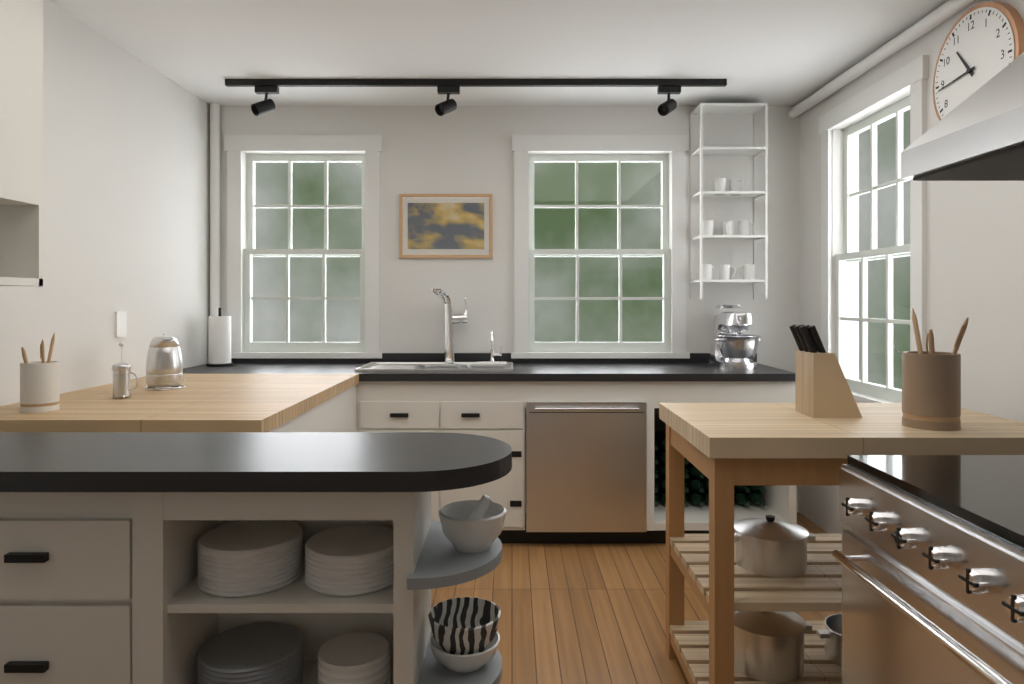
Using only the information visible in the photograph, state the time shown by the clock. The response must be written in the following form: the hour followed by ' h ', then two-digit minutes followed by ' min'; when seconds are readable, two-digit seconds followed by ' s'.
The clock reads 10 h 44 min
